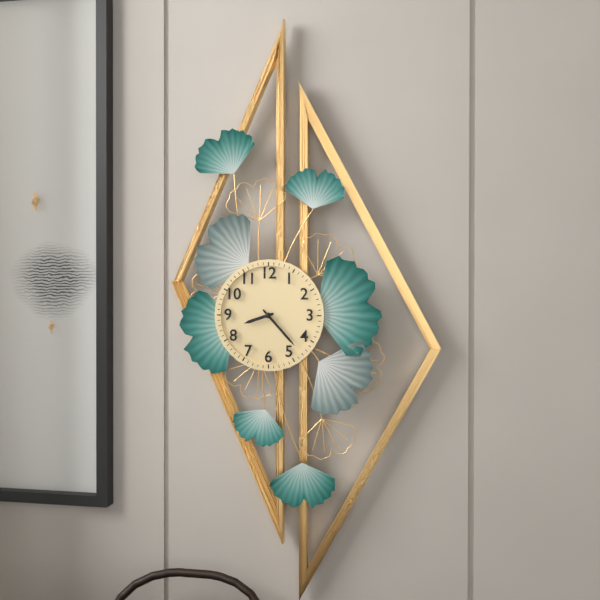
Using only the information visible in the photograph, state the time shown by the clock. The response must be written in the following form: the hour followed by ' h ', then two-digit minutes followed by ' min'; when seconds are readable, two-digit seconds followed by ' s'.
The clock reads 8 h 23 min
